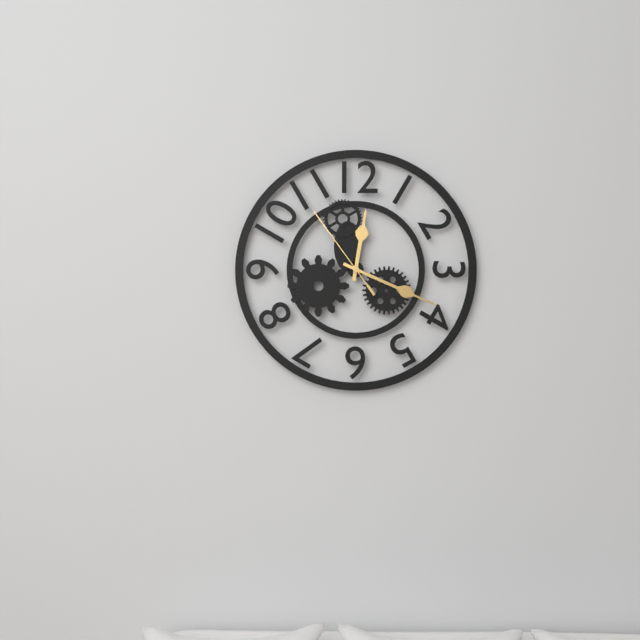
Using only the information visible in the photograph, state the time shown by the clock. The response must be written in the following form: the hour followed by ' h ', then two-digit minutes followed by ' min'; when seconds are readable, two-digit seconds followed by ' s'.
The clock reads 12 h 19 min 54 s
